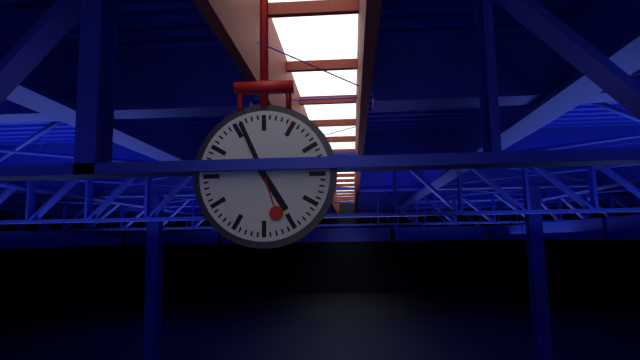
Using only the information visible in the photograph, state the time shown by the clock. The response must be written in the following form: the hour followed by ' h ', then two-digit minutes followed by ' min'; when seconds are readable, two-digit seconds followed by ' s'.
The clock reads 4 h 56 min 27 s
